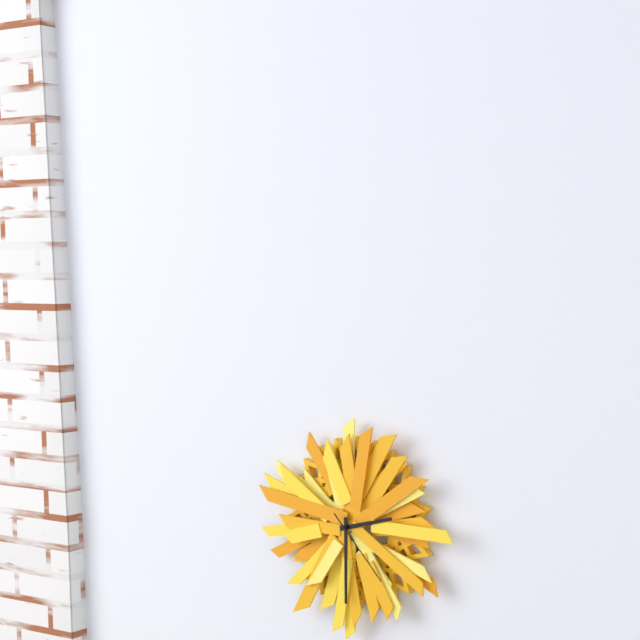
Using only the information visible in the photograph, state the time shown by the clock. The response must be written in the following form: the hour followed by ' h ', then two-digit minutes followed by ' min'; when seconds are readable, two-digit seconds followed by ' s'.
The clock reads 2 h 30 min 23 s
